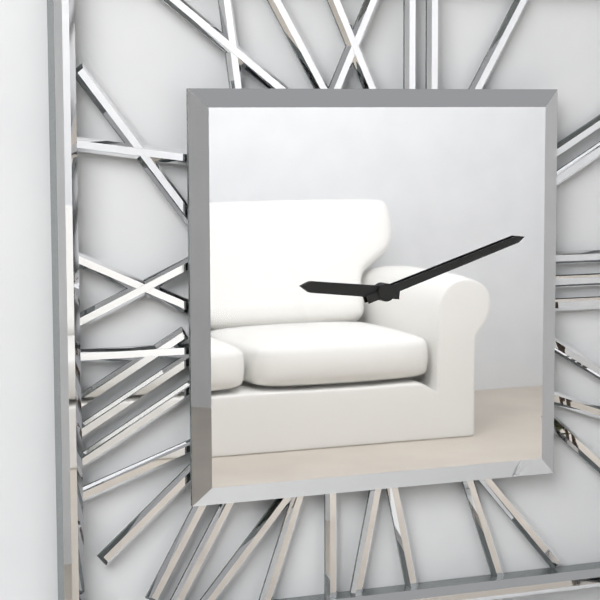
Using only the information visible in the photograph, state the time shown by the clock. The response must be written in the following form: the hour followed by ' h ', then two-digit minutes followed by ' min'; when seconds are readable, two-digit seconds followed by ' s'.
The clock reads 9 h 12 min
